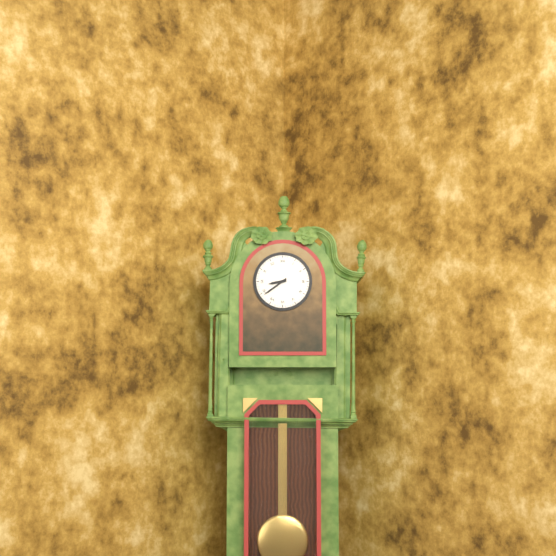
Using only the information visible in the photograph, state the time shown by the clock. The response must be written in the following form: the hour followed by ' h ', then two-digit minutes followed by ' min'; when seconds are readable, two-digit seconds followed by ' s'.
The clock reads 8 h 39 min
